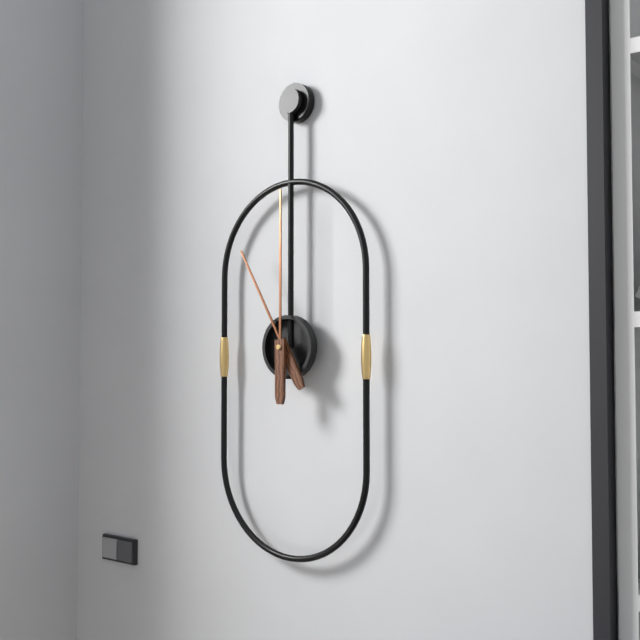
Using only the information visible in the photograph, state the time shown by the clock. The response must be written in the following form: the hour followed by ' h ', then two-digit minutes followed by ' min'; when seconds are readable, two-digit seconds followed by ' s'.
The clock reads 11 h 00 min
